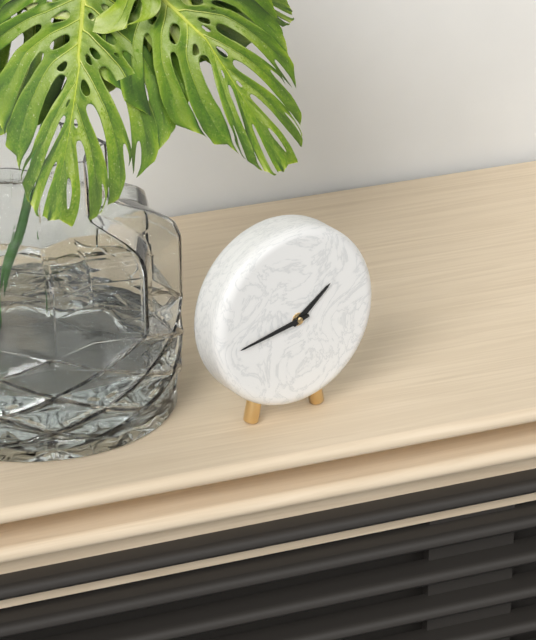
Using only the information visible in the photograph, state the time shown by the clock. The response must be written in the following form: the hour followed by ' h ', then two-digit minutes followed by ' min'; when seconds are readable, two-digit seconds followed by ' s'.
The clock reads 1 h 43 min
